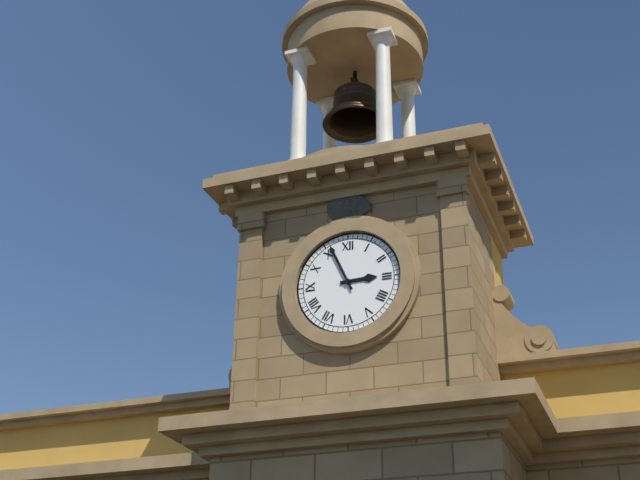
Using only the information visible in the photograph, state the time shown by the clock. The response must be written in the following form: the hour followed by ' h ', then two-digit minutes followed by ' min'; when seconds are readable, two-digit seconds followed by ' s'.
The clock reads 2 h 56 min
